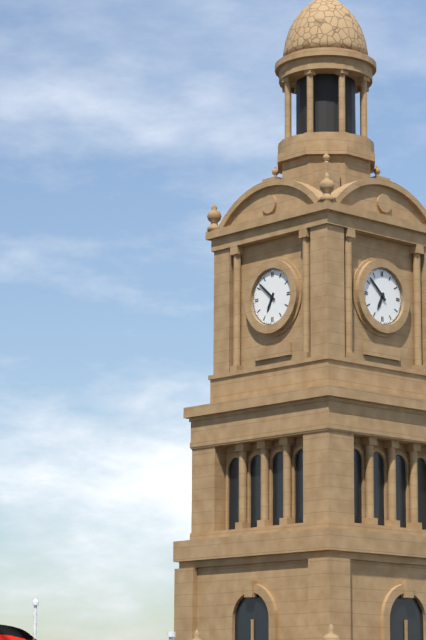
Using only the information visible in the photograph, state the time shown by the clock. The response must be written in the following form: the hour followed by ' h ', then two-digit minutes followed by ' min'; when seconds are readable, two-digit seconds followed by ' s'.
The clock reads 6 h 52 min
